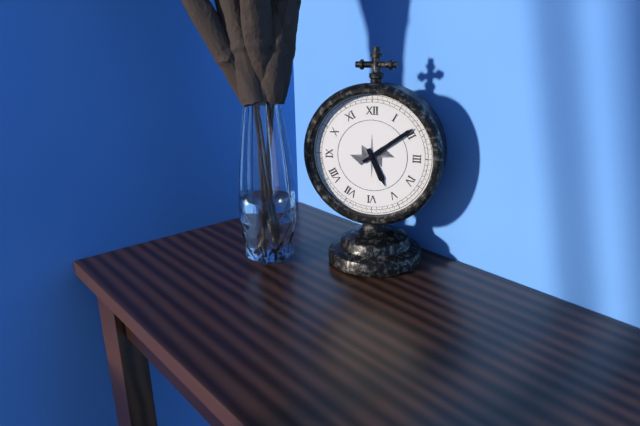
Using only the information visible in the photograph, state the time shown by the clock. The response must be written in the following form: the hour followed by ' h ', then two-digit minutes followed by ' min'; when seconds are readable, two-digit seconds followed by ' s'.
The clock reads 5 h 09 min
